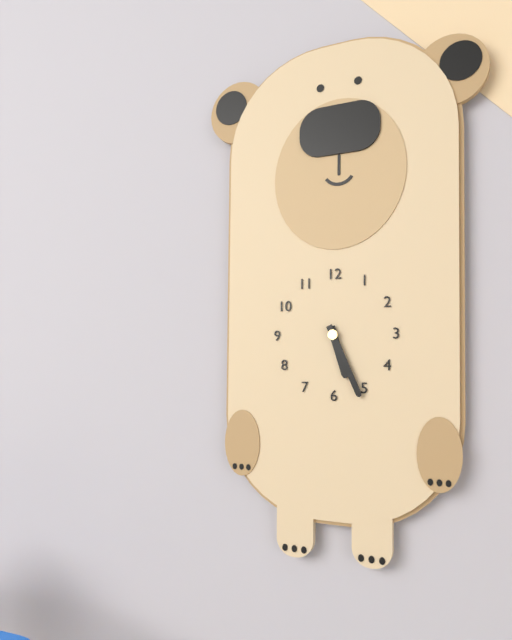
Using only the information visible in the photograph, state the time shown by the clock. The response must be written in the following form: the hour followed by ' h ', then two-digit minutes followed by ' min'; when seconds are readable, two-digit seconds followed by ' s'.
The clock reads 5 h 26 min
